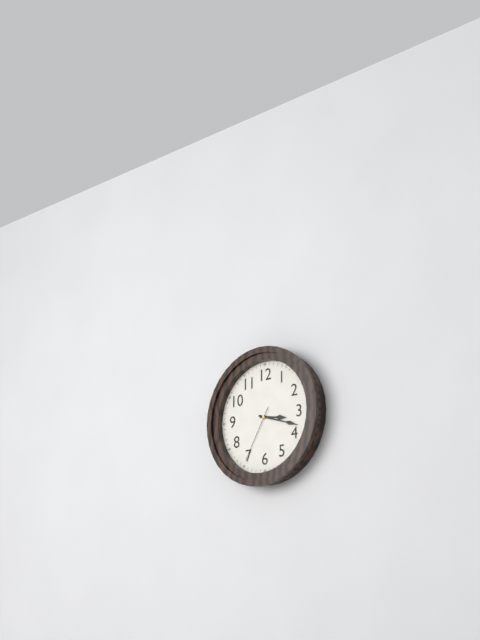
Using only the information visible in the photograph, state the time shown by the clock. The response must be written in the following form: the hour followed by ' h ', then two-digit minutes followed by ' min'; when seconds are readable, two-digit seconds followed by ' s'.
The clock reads 3 h 18 min 35 s
